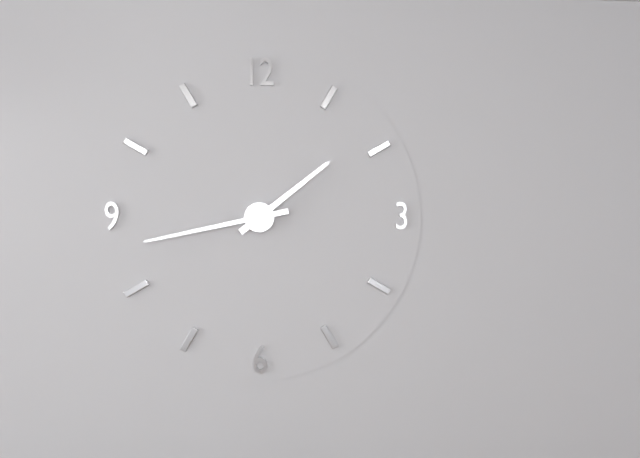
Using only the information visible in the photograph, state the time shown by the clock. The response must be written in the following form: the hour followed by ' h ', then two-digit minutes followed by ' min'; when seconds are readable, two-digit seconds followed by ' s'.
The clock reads 1 h 43 min
